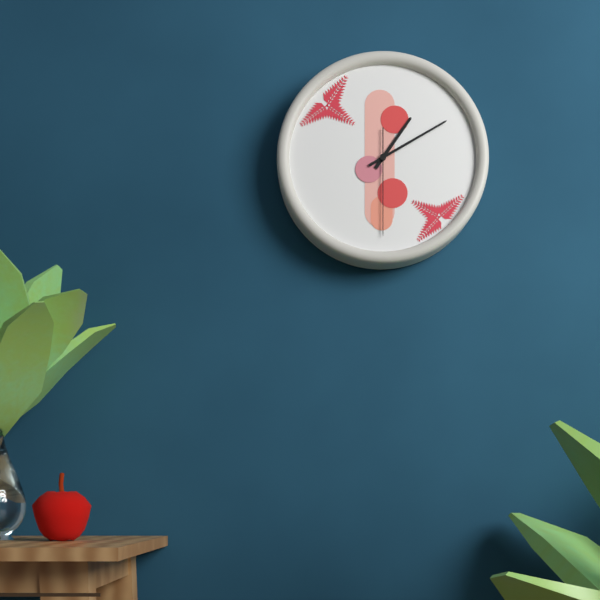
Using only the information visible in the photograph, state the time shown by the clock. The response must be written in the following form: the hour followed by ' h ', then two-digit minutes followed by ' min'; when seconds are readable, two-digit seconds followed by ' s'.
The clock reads 1 h 10 min 30 s
